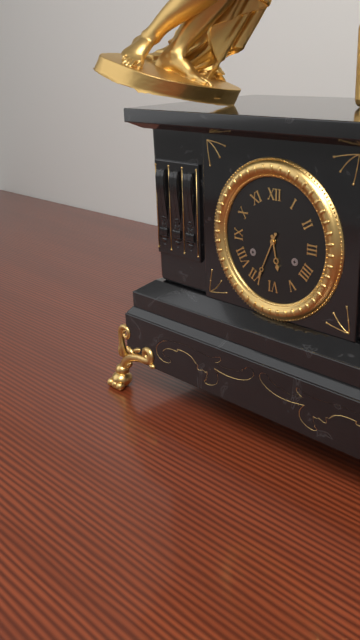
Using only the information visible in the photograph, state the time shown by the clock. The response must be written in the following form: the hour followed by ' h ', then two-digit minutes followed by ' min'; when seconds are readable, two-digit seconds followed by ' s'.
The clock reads 5 h 34 min
